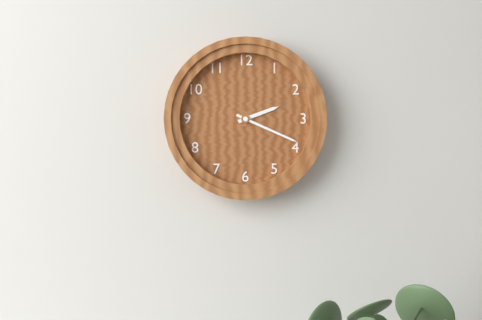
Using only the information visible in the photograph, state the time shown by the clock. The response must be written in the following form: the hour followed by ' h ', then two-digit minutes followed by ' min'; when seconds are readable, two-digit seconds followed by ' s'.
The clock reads 2 h 19 min
